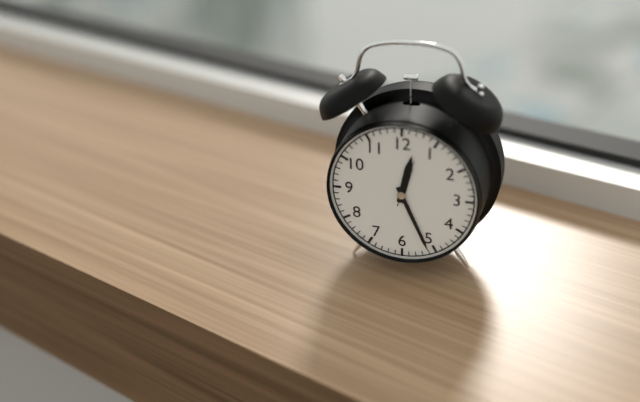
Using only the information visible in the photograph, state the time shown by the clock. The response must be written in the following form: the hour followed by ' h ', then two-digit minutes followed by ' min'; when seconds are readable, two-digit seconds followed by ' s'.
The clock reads 12 h 26 min
